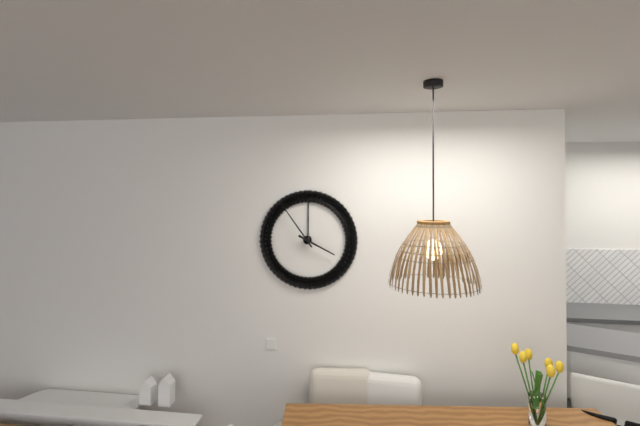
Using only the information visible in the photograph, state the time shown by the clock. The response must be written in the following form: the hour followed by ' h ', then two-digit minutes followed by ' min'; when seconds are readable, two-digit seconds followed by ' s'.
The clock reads 3 h 54 min
